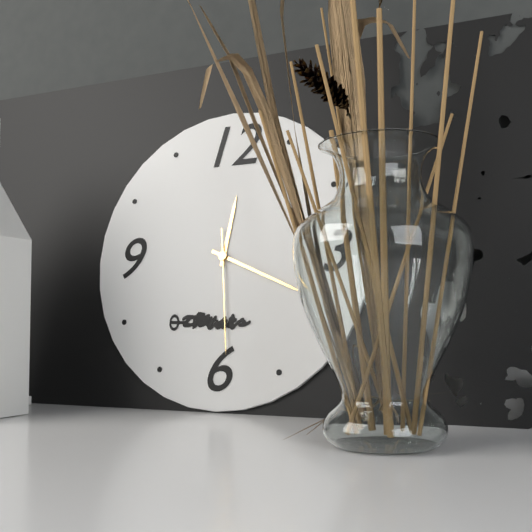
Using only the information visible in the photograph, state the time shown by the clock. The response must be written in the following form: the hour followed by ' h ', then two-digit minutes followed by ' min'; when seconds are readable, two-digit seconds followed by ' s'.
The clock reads 12 h 19 min 29 s
